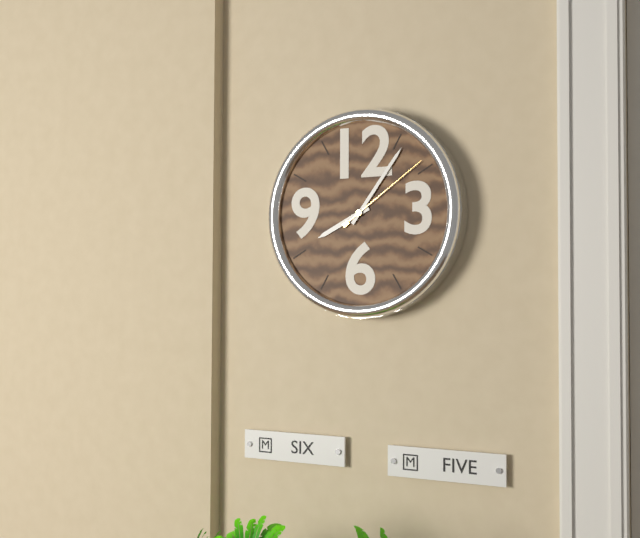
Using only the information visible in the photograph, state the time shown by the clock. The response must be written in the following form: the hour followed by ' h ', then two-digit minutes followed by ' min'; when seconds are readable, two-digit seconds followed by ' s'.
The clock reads 8 h 06 min 09 s
